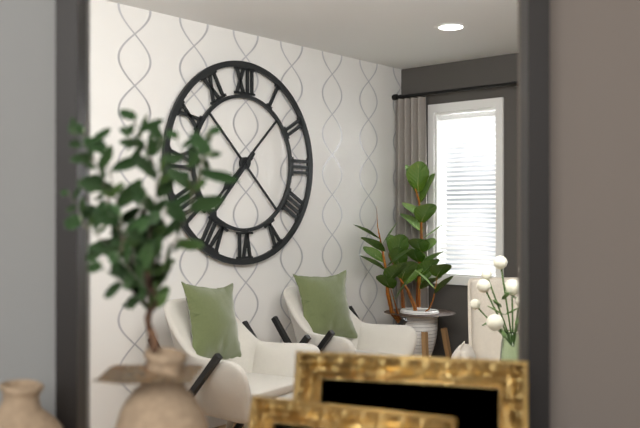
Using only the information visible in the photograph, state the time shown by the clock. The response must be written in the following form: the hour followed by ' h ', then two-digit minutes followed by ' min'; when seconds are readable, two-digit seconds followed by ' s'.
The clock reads 7 h 37 min
